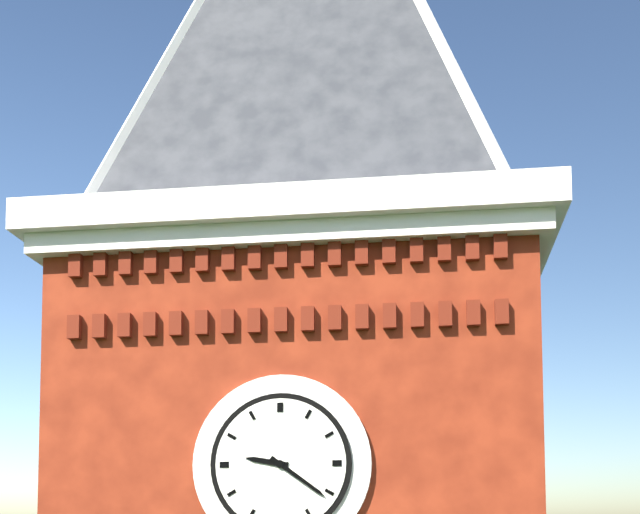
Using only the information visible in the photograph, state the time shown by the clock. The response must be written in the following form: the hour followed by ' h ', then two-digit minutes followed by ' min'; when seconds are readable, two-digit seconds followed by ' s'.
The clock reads 9 h 21 min
